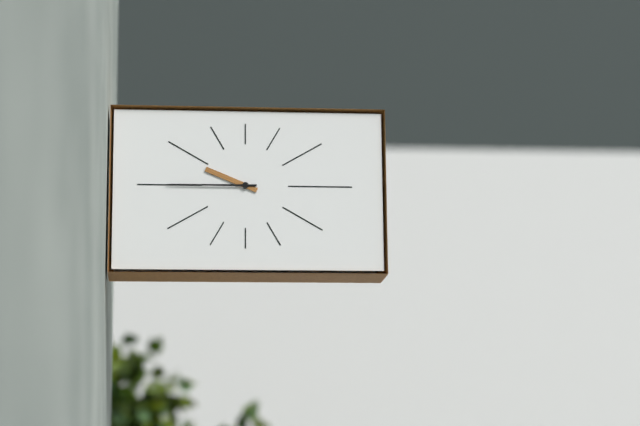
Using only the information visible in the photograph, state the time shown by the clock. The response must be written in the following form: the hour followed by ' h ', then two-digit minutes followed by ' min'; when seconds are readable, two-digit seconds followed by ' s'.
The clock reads 9 h 45 min
